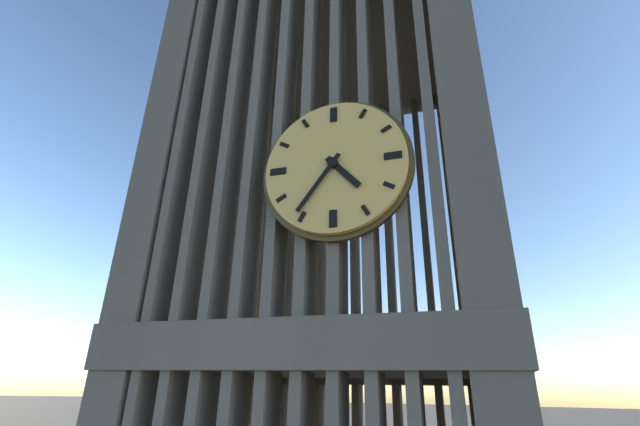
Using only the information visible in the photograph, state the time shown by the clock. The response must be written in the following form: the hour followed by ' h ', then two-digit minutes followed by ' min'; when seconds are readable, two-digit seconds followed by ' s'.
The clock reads 4 h 36 min
